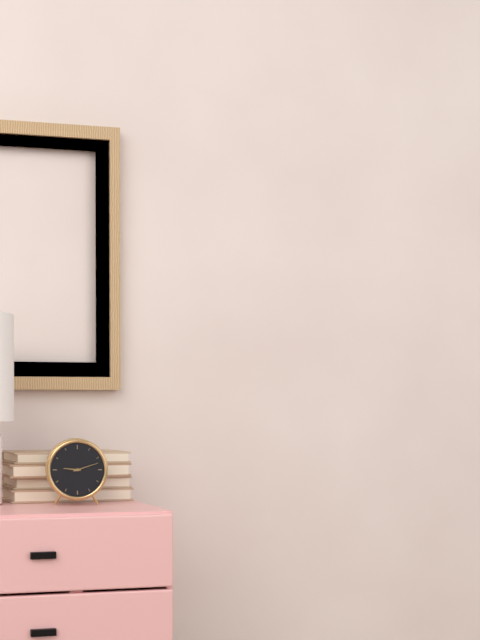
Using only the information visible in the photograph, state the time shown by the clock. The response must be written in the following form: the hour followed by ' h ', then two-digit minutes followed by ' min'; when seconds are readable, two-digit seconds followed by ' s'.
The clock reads 9 h 12 min
